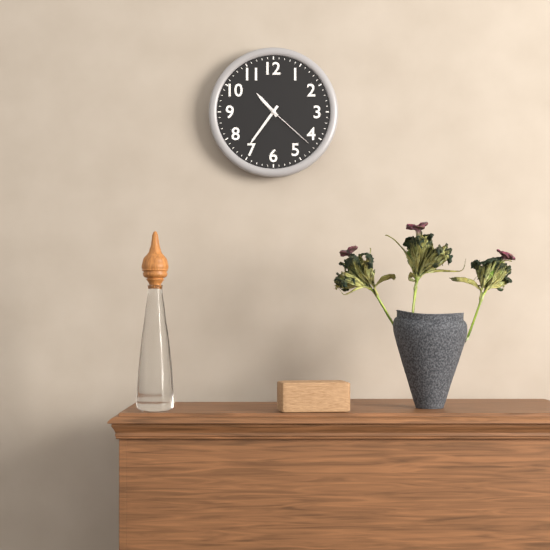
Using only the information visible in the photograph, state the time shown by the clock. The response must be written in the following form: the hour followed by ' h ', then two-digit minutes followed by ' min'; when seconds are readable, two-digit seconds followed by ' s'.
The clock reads 10 h 36 min 22 s
